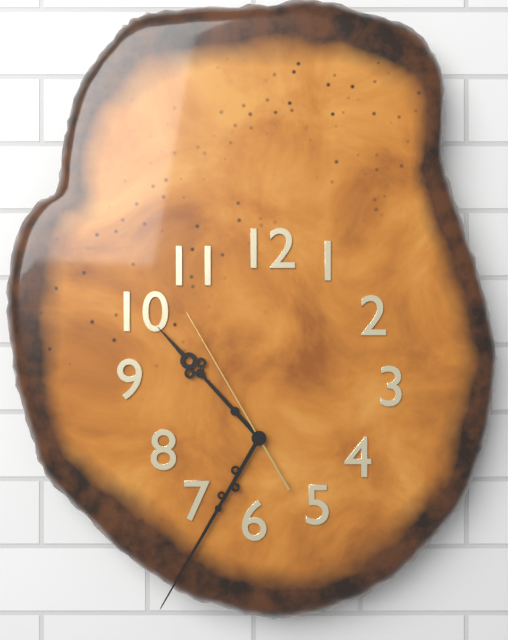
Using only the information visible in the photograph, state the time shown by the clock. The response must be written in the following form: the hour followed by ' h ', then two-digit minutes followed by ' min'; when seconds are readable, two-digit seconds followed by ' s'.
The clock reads 10 h 35 min 55 s
